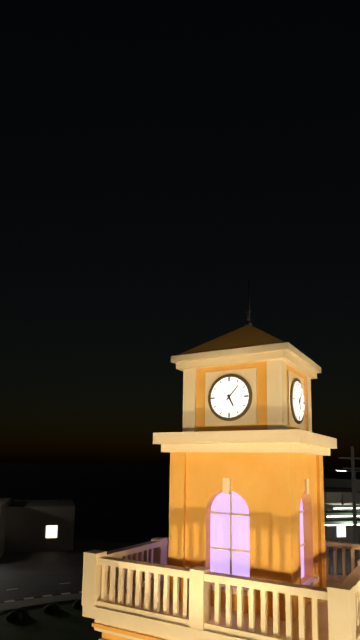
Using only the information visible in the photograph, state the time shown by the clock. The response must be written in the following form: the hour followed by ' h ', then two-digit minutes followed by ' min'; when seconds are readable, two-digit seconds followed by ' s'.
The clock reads 5 h 07 min
